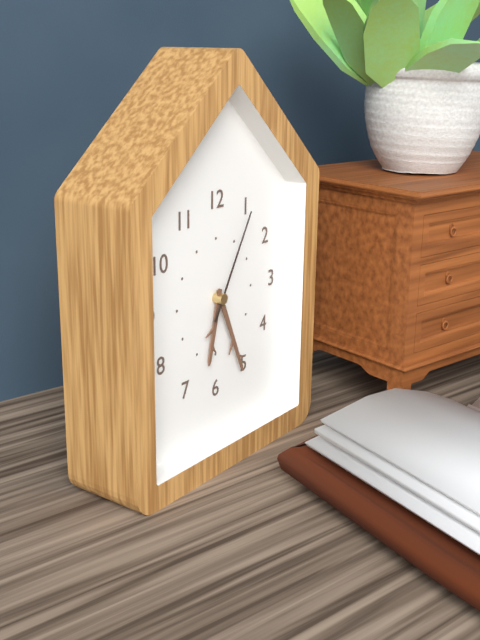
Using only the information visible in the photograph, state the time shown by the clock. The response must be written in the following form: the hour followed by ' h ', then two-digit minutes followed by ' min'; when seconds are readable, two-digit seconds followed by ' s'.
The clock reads 6 h 26 min 05 s
